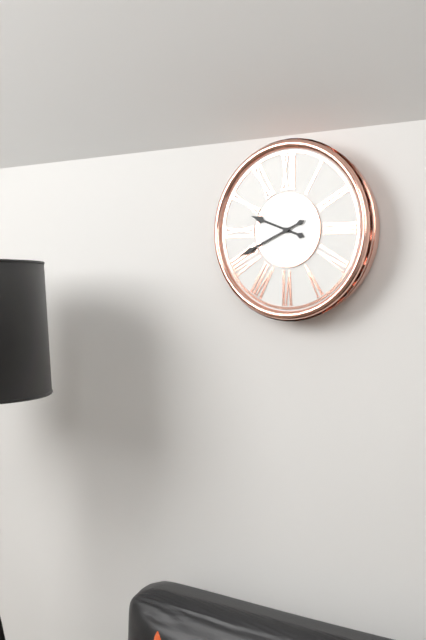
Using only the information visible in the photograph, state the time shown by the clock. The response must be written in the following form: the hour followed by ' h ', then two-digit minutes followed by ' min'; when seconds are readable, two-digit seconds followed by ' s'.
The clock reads 9 h 41 min
